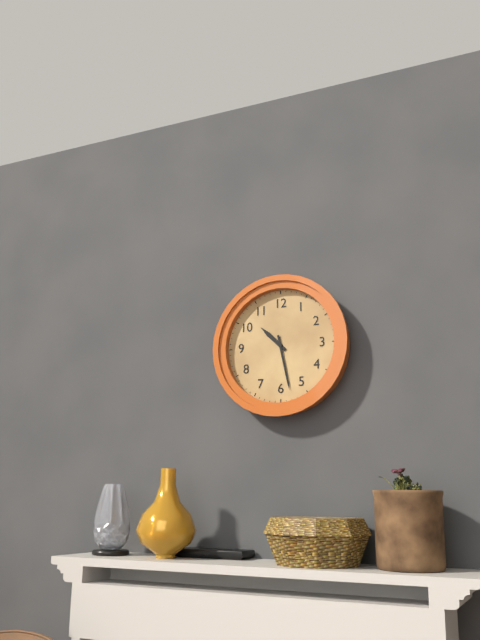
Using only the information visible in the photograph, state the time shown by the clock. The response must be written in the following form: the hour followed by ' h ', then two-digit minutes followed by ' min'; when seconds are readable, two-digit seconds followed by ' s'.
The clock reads 10 h 28 min
